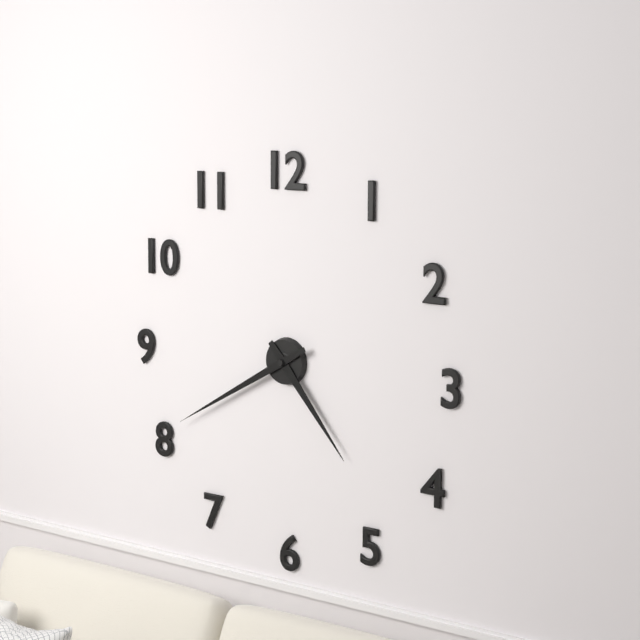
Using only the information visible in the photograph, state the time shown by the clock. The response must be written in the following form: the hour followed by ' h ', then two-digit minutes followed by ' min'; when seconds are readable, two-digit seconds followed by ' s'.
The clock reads 4 h 40 min
